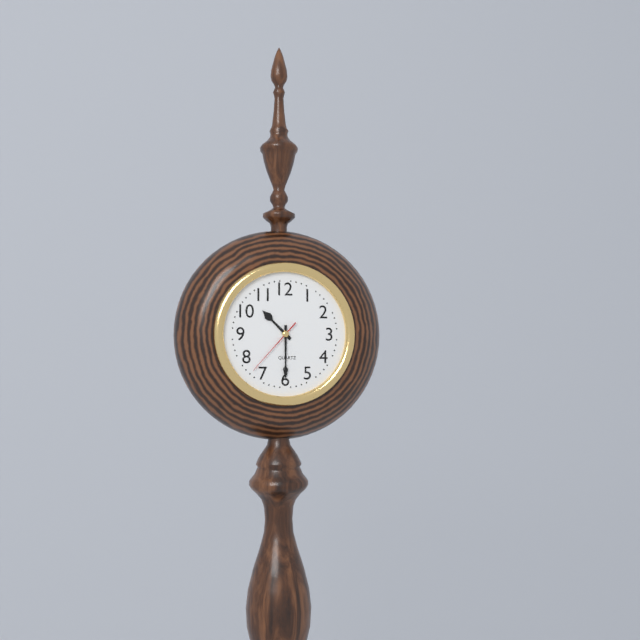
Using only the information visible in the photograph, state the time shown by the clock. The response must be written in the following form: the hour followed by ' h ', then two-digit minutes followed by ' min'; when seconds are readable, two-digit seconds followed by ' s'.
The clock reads 10 h 30 min 37 s
